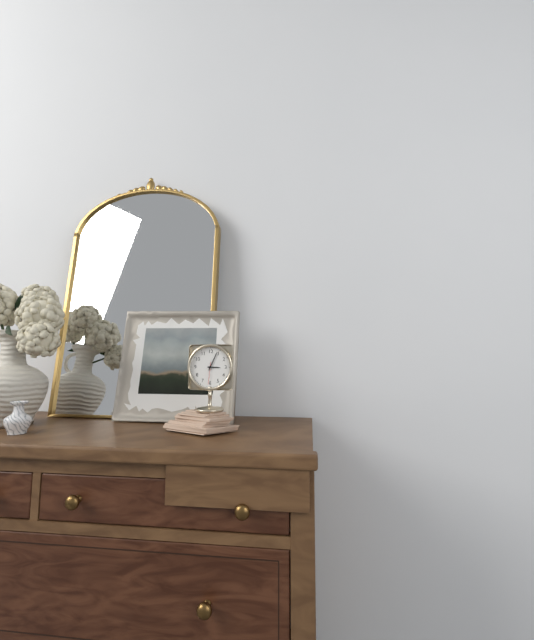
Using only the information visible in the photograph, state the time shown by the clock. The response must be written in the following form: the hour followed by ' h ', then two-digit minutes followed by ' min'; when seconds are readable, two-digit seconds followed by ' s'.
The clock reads 3 h 04 min
